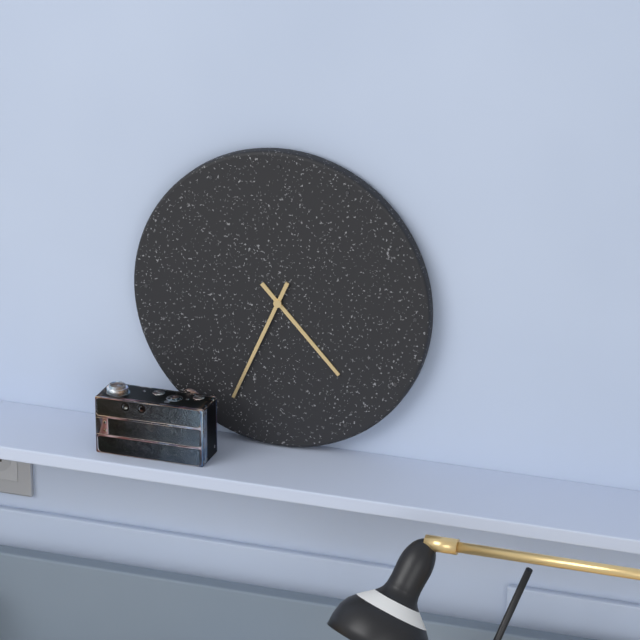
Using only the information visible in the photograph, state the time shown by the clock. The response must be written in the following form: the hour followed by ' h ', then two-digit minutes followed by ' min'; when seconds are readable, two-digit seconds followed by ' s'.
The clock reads 4 h 34 min
